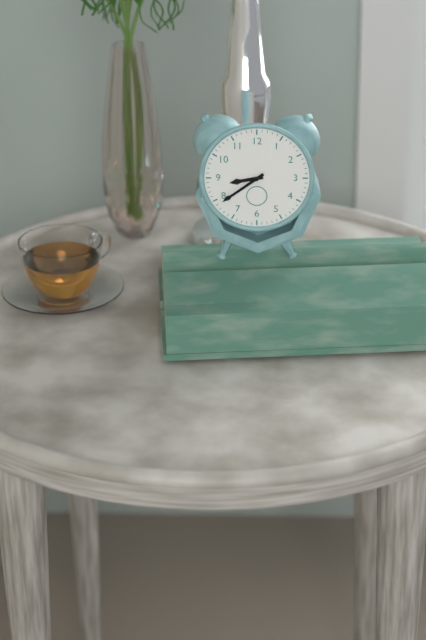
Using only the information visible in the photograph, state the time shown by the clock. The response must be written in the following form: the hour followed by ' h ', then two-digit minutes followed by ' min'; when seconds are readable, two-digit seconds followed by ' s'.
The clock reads 8 h 39 min
